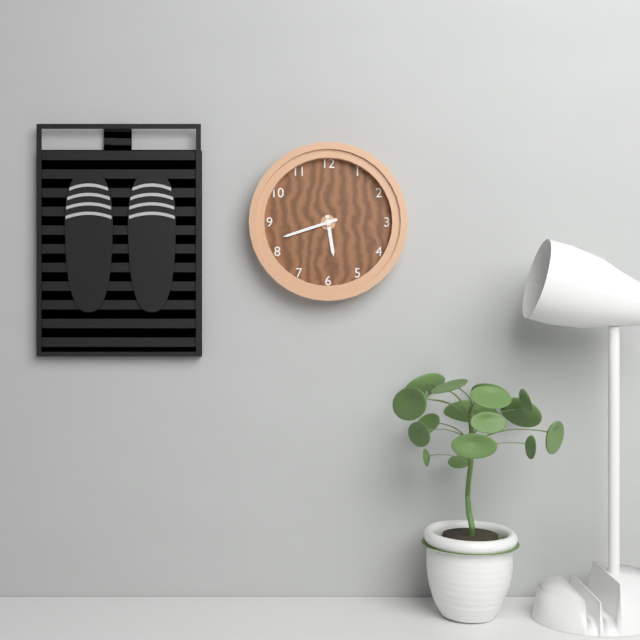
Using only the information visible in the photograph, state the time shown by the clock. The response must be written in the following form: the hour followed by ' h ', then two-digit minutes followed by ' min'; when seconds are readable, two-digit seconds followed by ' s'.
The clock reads 5 h 42 min
